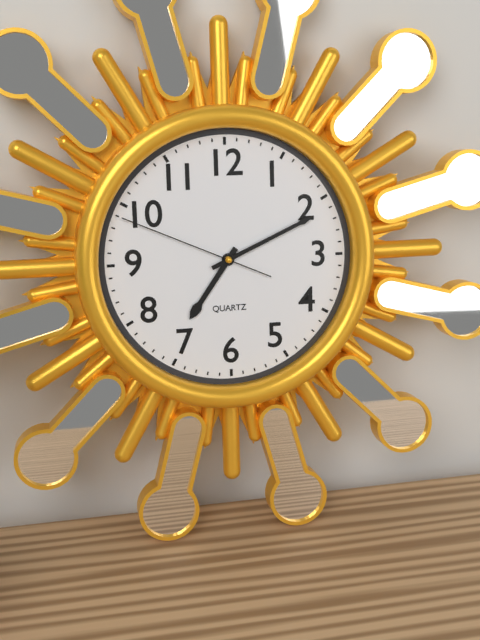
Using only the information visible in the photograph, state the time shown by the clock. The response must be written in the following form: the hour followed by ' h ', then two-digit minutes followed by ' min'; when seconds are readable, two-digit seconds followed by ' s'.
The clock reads 7 h 11 min 49 s
